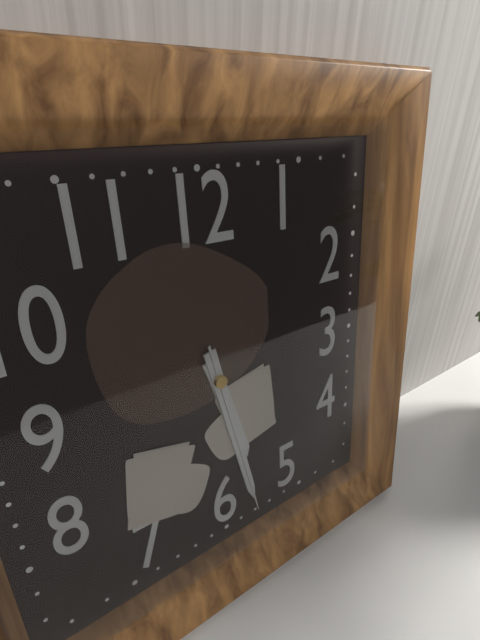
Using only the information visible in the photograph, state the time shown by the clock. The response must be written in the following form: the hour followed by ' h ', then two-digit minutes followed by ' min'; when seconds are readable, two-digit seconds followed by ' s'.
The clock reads 5 h 28 min 28 s
